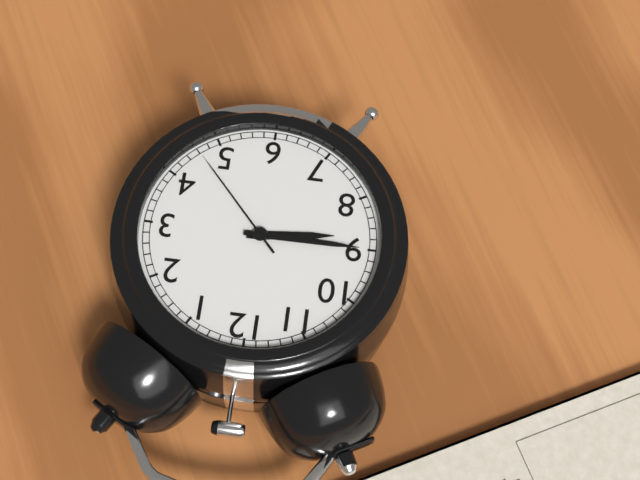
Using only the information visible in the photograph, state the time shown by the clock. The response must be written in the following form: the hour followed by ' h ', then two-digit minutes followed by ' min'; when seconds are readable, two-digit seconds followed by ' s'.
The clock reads 8 h 45 min 23 s
